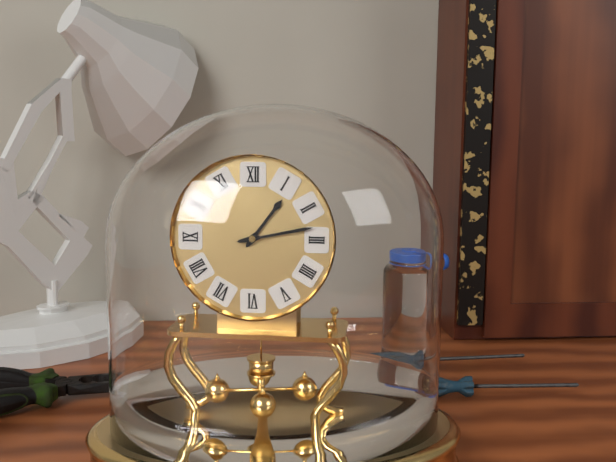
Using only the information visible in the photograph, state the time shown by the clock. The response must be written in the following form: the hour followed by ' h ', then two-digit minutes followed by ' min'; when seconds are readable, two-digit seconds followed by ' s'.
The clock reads 1 h 13 min
